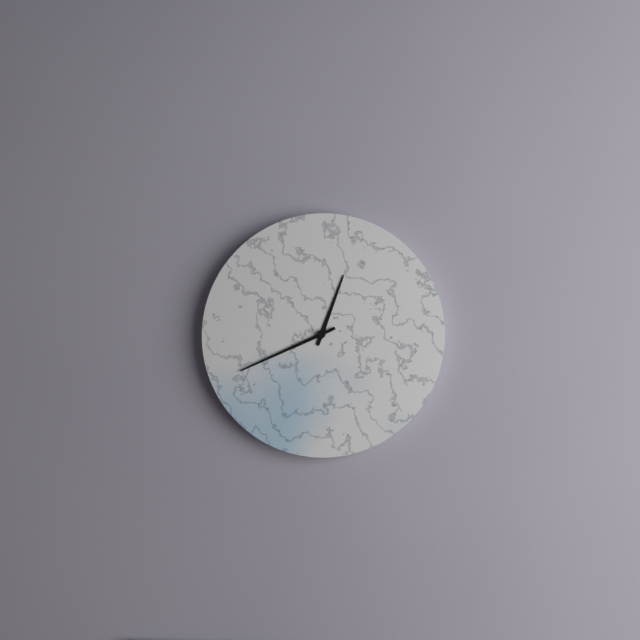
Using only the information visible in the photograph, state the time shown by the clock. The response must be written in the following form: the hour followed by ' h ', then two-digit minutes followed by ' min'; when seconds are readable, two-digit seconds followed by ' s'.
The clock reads 12 h 41 min
